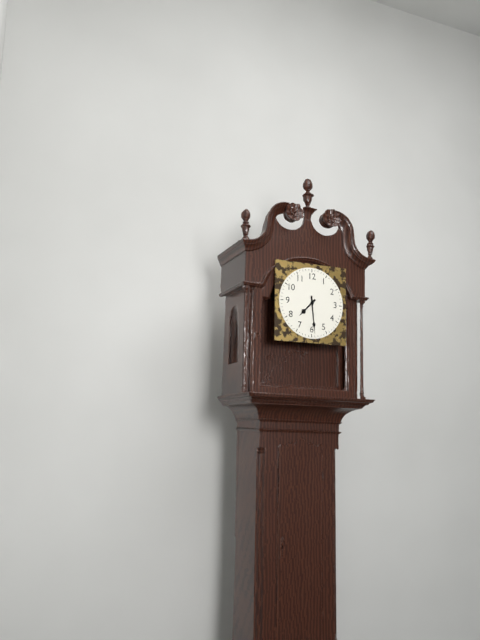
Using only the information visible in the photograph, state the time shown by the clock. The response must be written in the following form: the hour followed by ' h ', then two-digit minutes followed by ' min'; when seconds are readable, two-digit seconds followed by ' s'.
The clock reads 7 h 29 min
